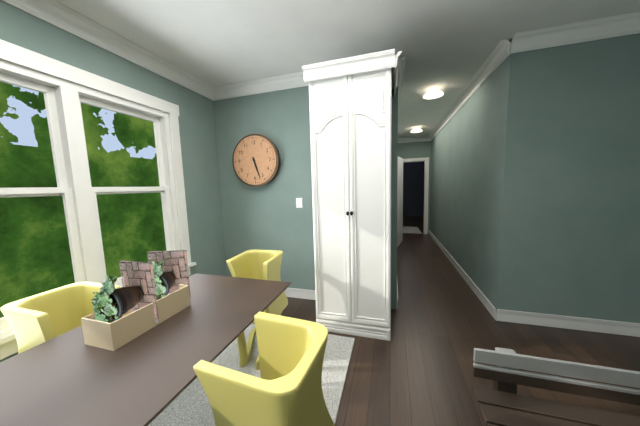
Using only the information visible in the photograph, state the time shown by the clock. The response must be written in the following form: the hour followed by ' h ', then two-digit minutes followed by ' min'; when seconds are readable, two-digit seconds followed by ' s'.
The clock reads 5 h 27 min
